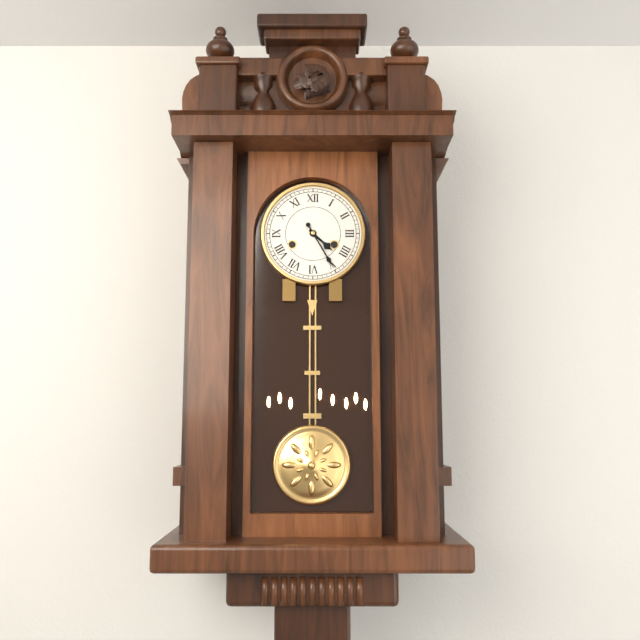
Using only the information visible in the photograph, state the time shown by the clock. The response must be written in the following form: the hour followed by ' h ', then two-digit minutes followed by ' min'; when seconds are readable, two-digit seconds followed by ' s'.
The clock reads 4 h 25 min
